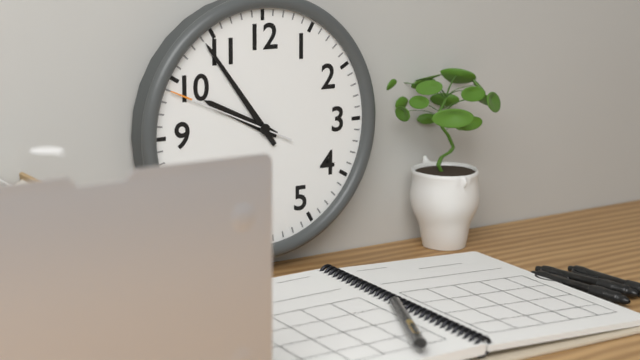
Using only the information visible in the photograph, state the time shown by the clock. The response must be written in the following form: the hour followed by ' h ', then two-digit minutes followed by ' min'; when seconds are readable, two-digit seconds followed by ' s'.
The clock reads 9 h 54 min 49 s
